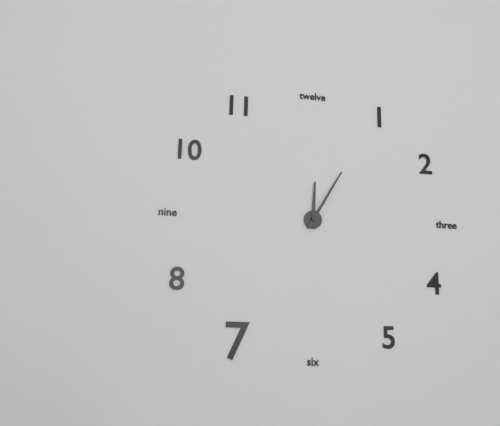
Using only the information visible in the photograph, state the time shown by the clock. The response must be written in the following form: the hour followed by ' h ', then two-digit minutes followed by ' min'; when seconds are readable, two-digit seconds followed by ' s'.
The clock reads 12 h 05 min
